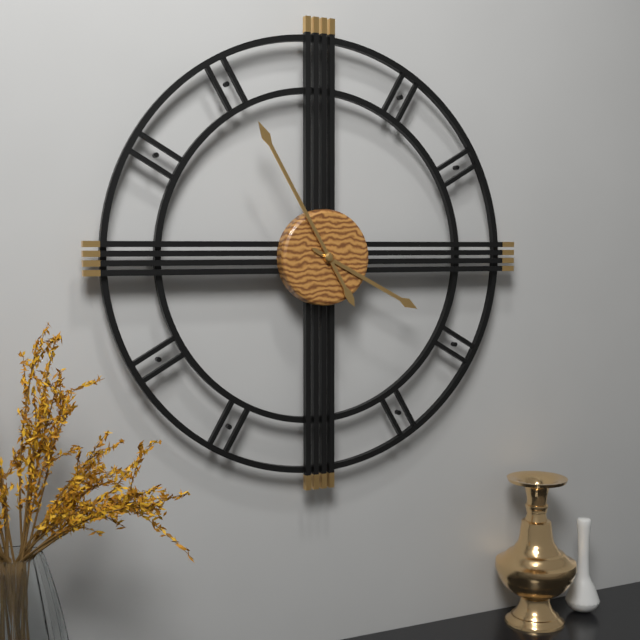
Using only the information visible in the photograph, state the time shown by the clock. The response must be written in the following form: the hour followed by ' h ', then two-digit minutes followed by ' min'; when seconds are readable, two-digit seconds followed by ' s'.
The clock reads 3 h 55 min
